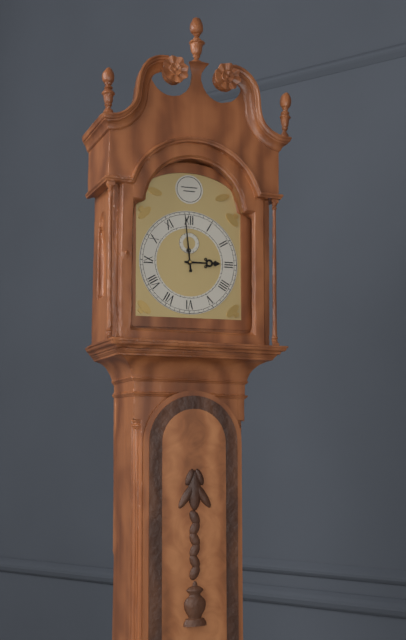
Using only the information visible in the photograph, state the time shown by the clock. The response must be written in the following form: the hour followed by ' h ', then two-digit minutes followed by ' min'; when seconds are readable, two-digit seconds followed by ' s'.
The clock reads 2 h 59 min
